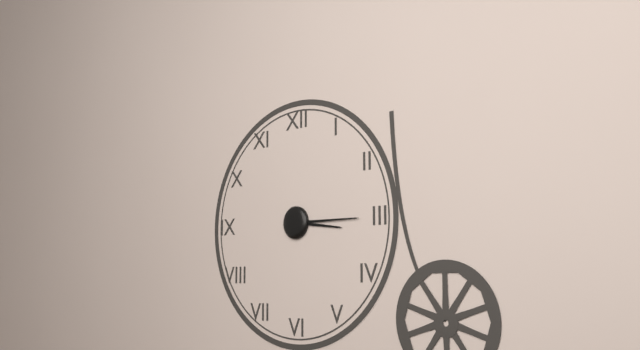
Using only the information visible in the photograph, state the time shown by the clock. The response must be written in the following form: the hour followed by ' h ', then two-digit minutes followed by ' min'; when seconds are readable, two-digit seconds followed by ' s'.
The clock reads 3 h 15 min
